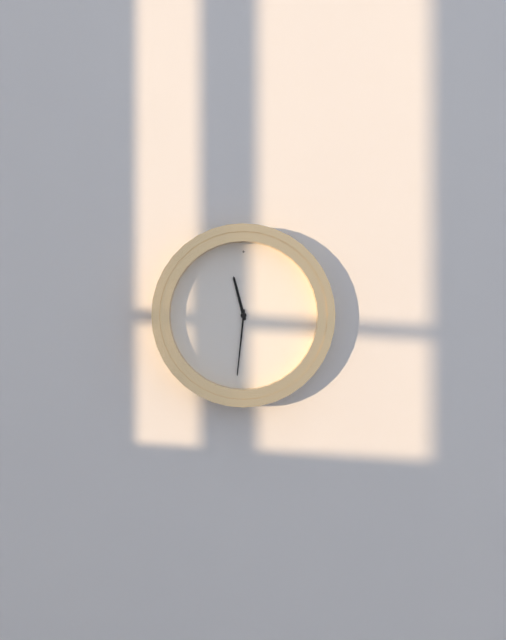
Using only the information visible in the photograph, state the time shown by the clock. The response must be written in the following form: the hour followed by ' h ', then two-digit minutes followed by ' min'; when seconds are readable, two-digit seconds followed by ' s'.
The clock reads 11 h 31 min
